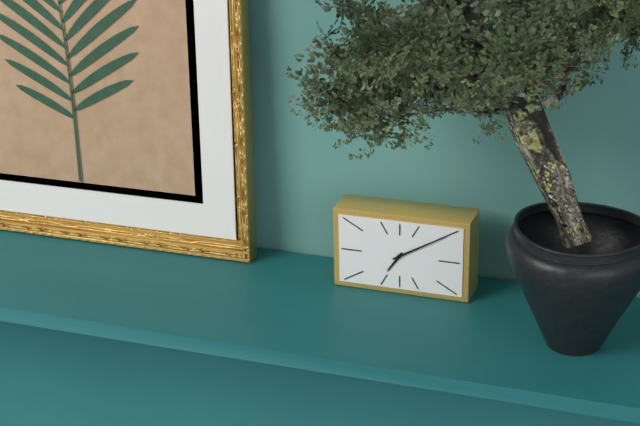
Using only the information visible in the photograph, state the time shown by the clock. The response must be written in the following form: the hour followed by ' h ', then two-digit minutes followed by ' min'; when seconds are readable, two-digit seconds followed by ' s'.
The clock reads 7 h 10 min
